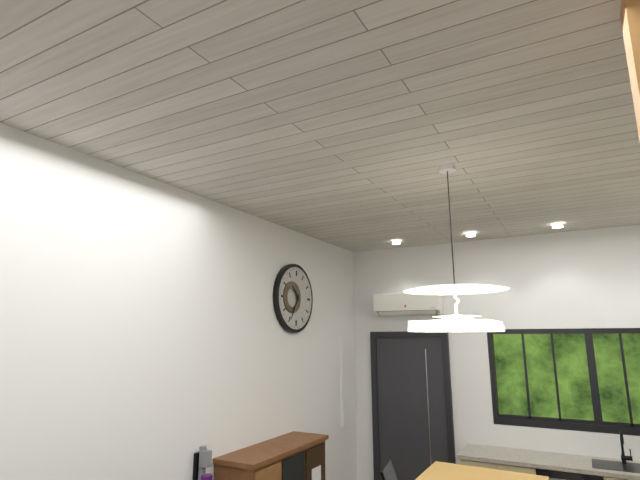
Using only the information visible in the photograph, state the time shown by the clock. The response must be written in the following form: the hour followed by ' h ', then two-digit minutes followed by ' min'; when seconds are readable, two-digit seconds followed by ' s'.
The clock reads 10 h 35 min
